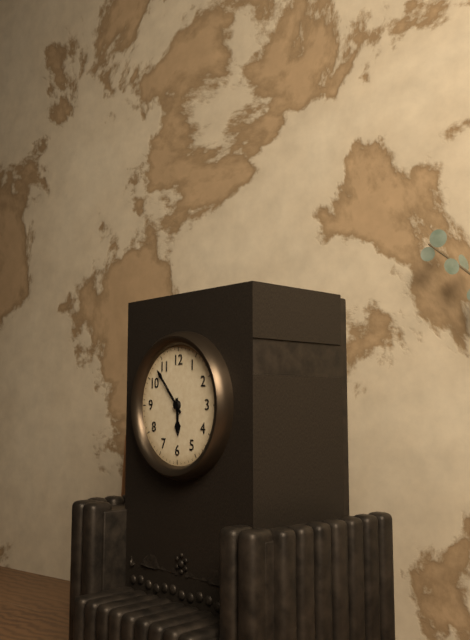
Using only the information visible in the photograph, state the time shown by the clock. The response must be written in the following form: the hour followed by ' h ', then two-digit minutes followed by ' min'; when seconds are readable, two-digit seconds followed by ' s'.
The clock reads 5 h 53 min
